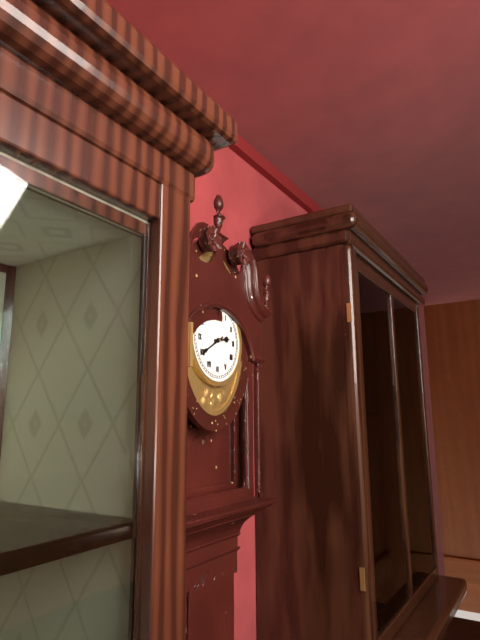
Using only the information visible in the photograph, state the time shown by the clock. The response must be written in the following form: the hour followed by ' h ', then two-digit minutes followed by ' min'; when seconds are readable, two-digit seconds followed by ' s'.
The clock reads 2 h 40 min
